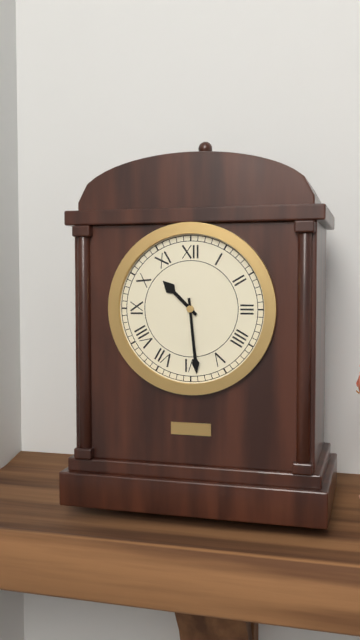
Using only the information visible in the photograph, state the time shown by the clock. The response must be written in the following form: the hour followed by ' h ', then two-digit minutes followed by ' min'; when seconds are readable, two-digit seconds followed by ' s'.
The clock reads 10 h 29 min
